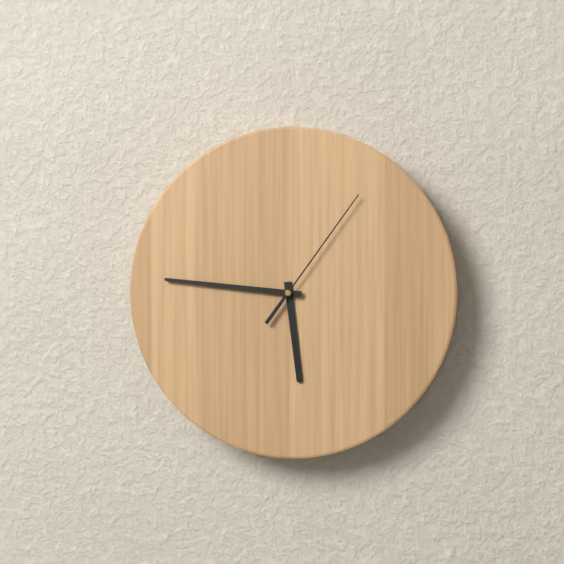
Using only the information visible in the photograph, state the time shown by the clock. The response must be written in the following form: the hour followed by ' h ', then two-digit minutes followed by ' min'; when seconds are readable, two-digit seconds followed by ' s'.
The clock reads 5 h 46 min 06 s
